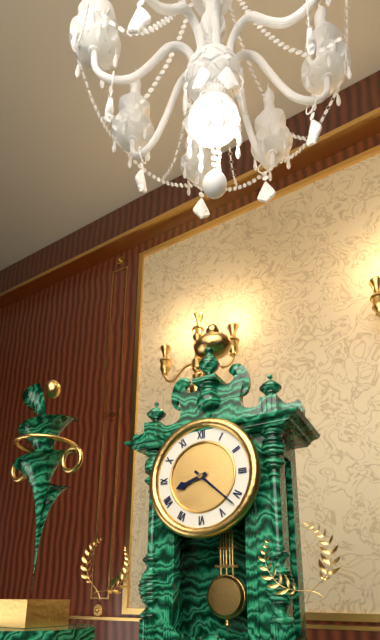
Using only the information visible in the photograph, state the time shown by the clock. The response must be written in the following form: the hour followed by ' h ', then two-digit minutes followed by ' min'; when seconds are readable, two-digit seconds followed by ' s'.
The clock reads 8 h 22 min
